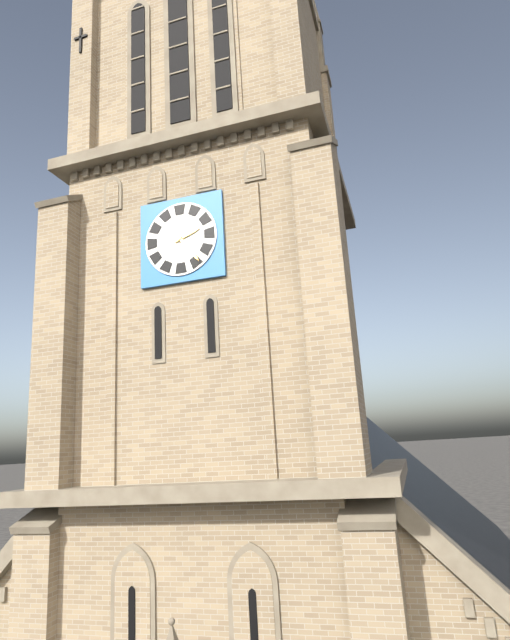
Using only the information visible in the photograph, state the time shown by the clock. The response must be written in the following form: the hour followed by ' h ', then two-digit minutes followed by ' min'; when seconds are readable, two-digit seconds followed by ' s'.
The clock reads 2 h 24 min
